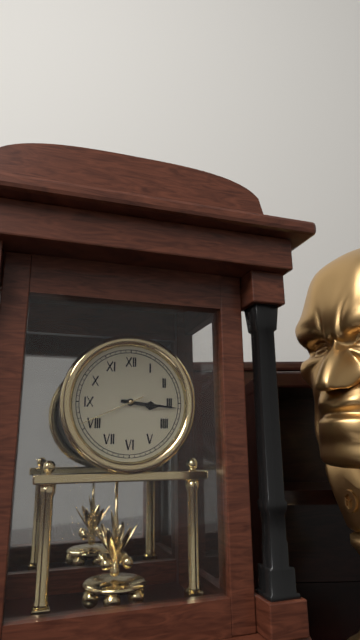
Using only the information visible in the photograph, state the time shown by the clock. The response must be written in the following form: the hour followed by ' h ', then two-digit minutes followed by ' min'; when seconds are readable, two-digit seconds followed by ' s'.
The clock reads 3 h 16 min 41 s
